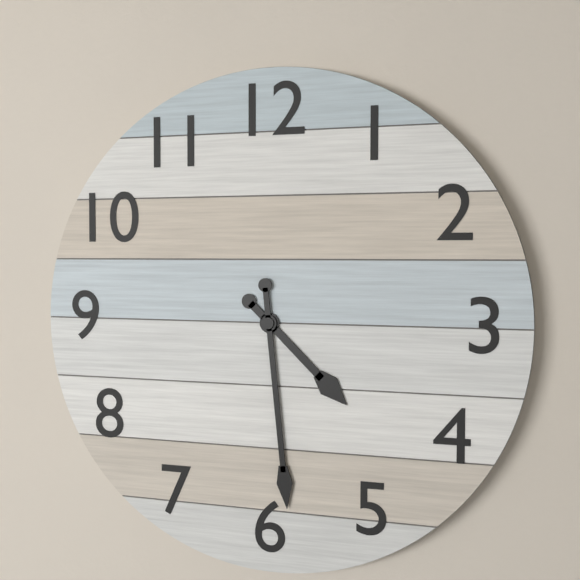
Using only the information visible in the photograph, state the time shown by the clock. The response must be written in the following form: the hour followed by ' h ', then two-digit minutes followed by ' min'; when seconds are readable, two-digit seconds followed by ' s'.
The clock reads 4 h 29 min
